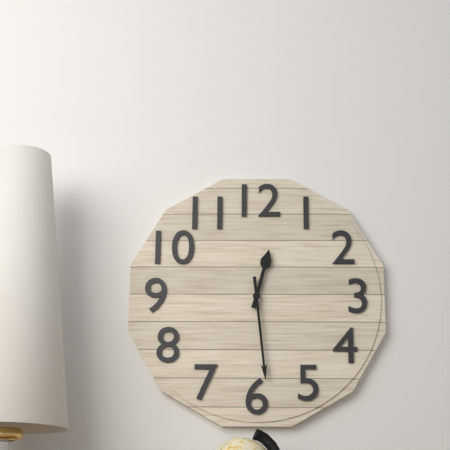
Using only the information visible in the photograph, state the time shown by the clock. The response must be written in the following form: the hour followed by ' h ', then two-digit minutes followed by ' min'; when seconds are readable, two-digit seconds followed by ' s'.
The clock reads 12 h 29 min
